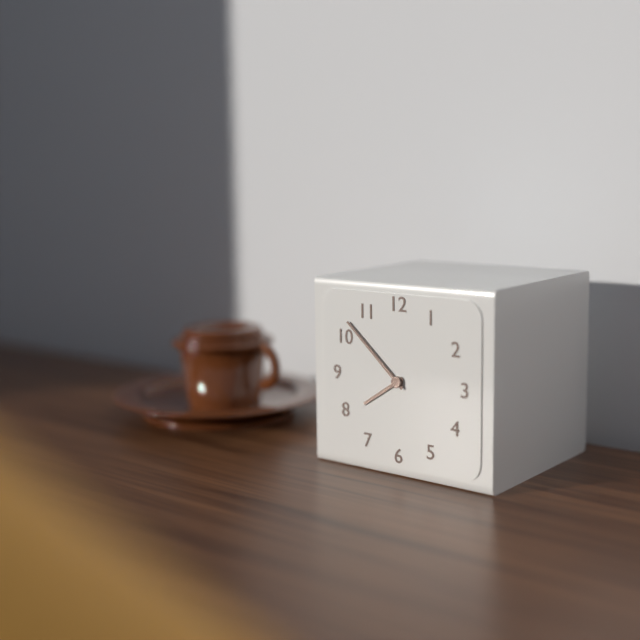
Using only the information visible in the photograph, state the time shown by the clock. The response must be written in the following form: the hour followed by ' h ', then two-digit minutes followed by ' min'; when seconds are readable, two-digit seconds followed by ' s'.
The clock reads 7 h 52 min
